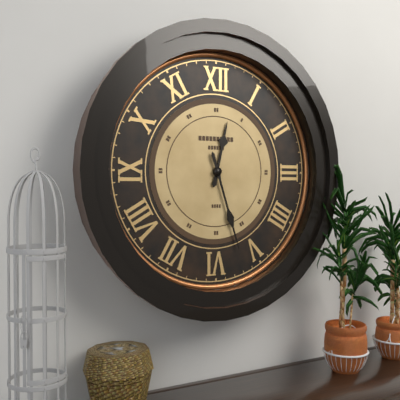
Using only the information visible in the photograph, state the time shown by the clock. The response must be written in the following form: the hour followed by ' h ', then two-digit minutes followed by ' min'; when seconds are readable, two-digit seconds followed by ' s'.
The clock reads 12 h 27 min
